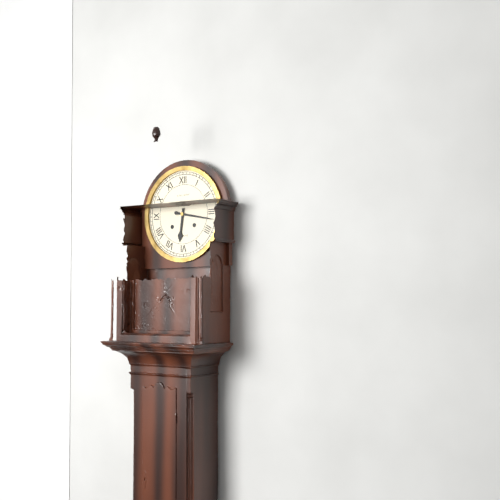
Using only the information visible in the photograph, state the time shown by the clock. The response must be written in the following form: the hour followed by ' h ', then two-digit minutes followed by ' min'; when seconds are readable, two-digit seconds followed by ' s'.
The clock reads 6 h 17 min
